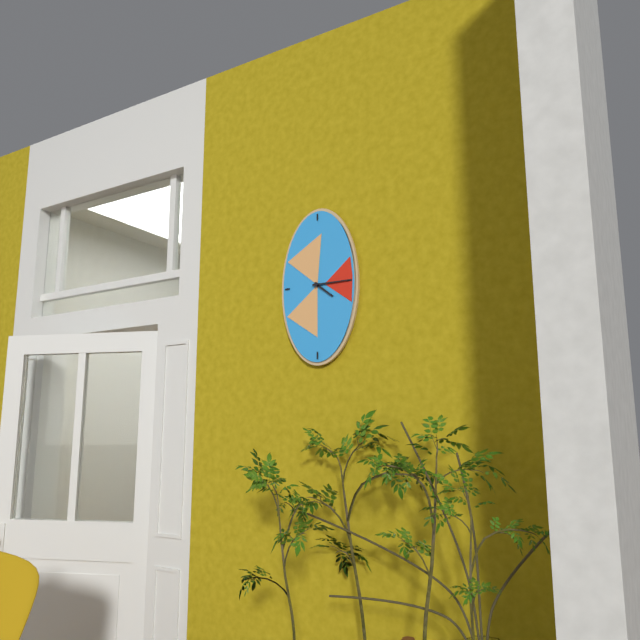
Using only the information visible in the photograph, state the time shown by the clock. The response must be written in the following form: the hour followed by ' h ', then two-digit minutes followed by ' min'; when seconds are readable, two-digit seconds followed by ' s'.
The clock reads 4 h 15 min
